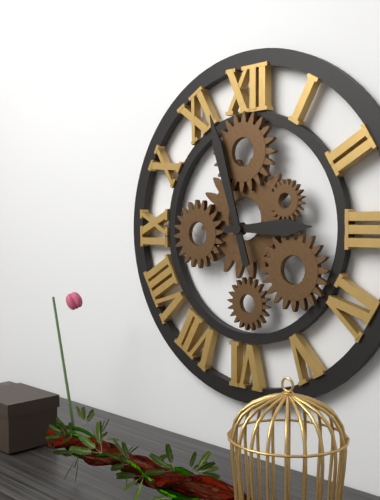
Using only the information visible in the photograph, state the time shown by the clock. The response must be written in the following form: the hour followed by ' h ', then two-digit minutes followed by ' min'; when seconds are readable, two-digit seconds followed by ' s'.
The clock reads 2 h 57 min
